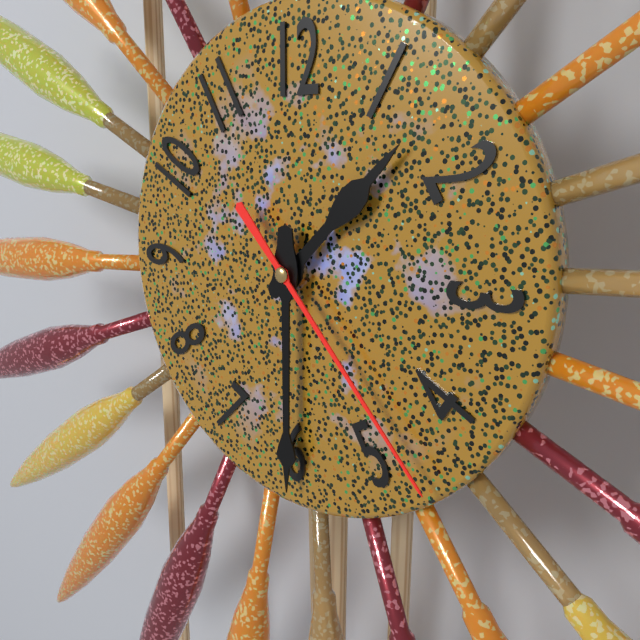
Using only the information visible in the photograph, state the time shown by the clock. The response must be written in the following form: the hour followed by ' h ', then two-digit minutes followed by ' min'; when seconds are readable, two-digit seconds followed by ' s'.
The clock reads 1 h 30 min 23 s
